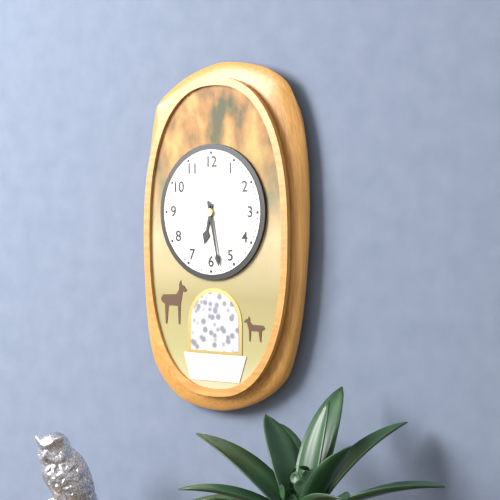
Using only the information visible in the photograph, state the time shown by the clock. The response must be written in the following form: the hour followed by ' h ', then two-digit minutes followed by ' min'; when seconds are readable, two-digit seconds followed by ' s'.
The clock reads 6 h 28 min
